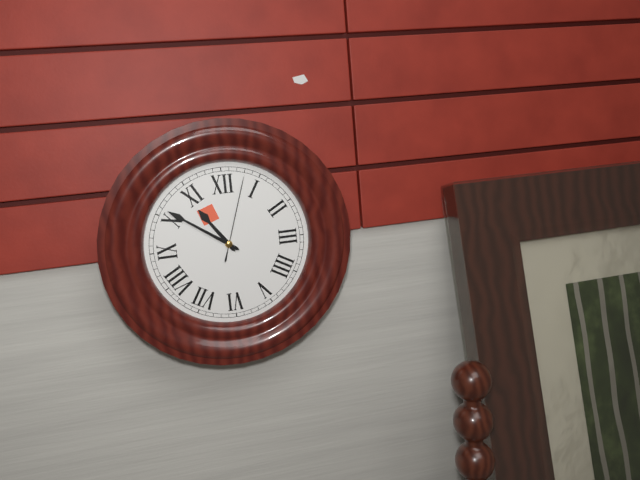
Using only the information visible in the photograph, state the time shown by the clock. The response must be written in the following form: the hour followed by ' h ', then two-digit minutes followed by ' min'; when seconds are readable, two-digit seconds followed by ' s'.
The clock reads 10 h 51 min 03 s
